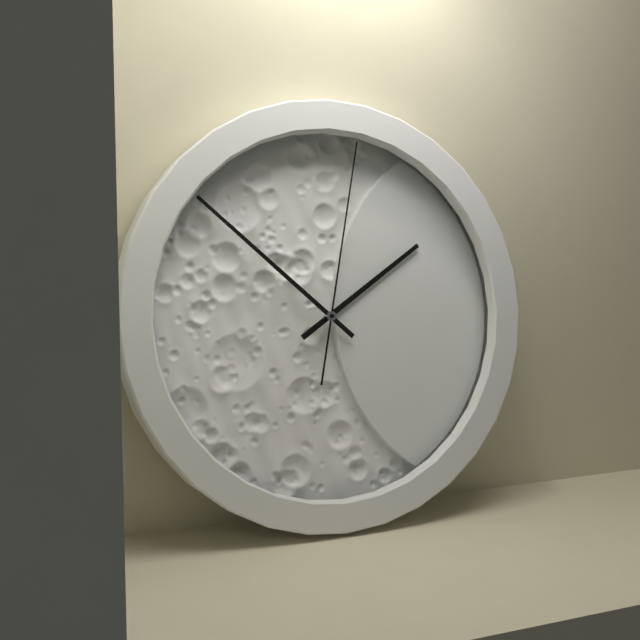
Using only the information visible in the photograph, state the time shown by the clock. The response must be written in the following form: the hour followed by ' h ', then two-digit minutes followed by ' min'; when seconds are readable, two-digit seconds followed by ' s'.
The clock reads 1 h 52 min 02 s
